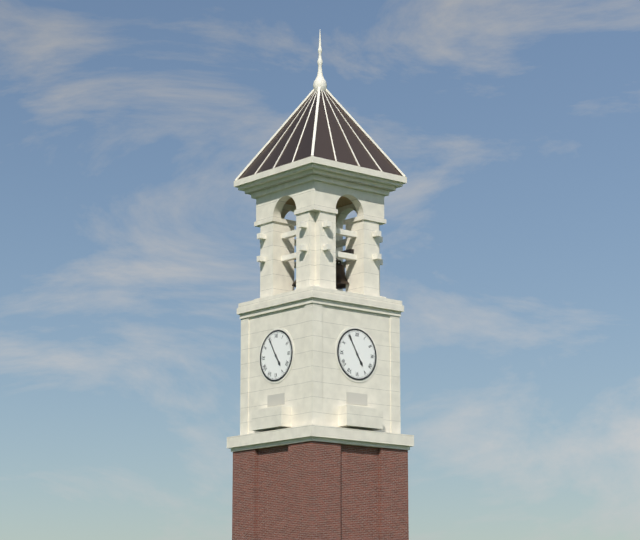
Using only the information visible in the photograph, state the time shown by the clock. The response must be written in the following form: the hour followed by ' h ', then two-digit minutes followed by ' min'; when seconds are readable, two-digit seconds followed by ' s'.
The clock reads 4 h 55 min
